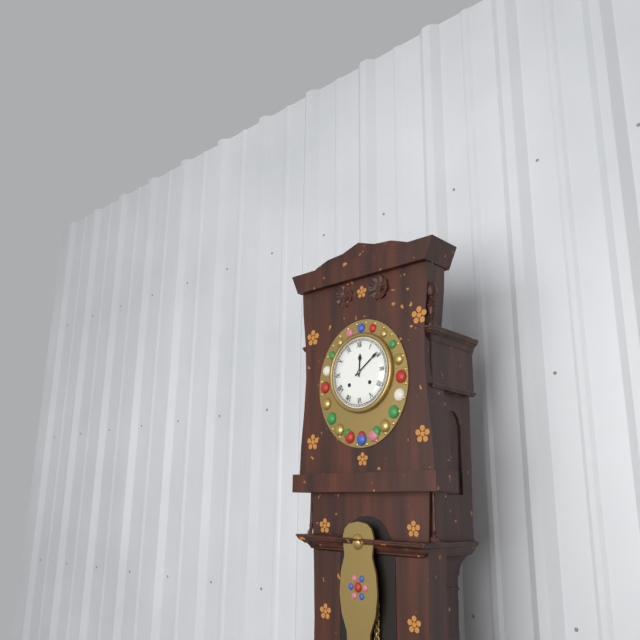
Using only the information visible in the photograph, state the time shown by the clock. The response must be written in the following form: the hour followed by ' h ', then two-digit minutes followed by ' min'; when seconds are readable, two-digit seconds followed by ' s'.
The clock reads 12 h 09 min
